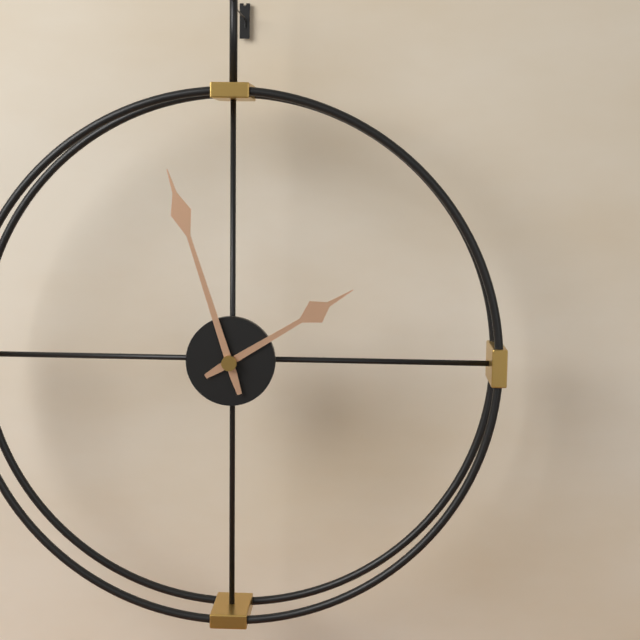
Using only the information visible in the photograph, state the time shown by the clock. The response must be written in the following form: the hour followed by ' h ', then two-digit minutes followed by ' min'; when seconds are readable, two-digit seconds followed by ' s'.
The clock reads 1 h 57 min
